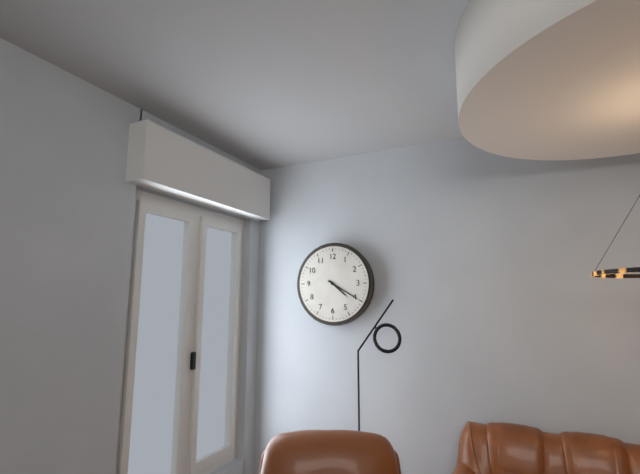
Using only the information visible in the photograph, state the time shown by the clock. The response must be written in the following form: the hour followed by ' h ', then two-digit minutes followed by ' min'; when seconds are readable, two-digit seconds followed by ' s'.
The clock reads 4 h 20 min
